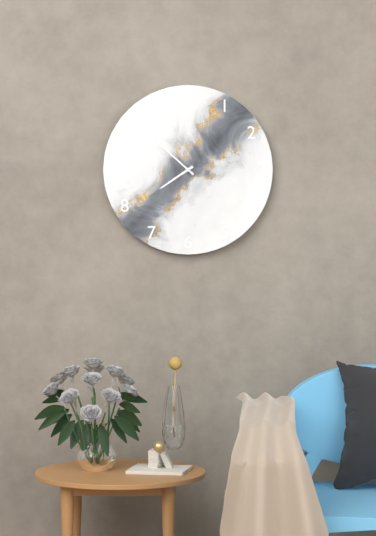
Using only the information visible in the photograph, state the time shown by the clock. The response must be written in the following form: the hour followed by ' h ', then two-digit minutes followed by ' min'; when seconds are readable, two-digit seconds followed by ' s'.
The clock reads 7 h 52 min
